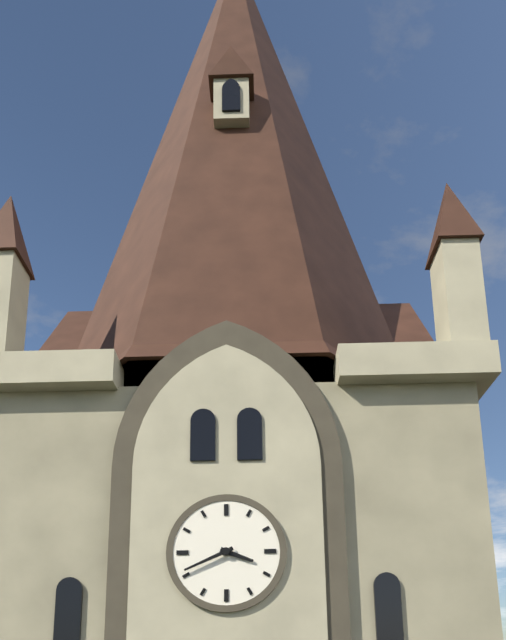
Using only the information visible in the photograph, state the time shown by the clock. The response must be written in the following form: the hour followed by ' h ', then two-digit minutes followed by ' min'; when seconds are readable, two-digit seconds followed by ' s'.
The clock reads 3 h 41 min
